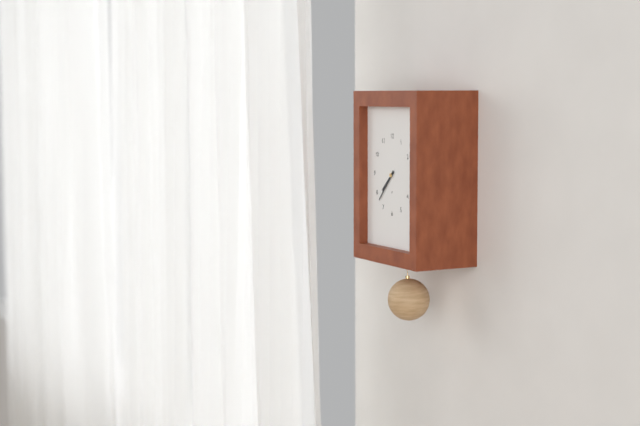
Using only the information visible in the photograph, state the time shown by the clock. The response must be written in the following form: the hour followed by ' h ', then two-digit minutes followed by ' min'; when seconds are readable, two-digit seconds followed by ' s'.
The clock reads 7 h 37 min
